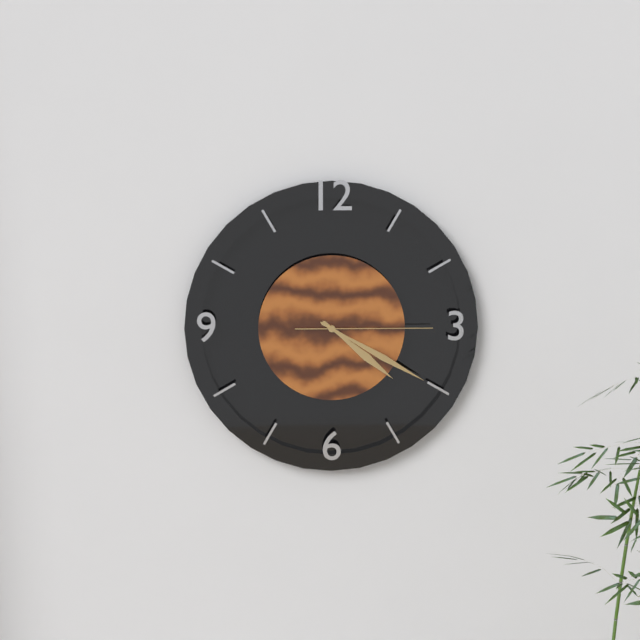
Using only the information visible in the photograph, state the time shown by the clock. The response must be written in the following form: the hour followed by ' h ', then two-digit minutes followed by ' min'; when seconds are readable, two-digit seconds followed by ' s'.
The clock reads 4 h 20 min 15 s
